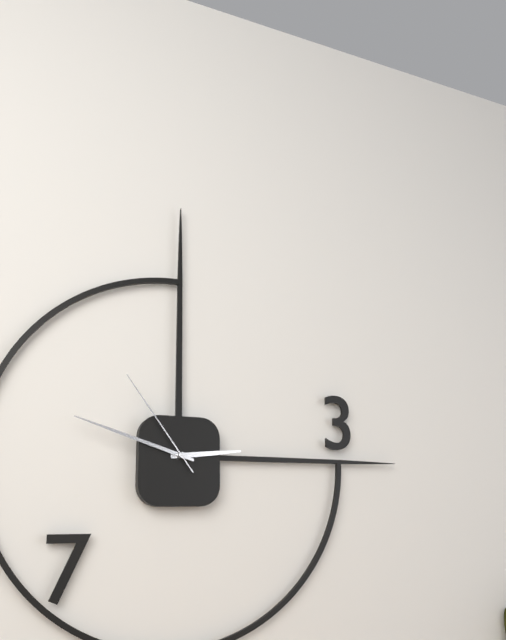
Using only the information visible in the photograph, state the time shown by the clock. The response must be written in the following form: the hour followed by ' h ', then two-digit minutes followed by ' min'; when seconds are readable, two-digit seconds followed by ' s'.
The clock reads 2 h 48 min 54 s
